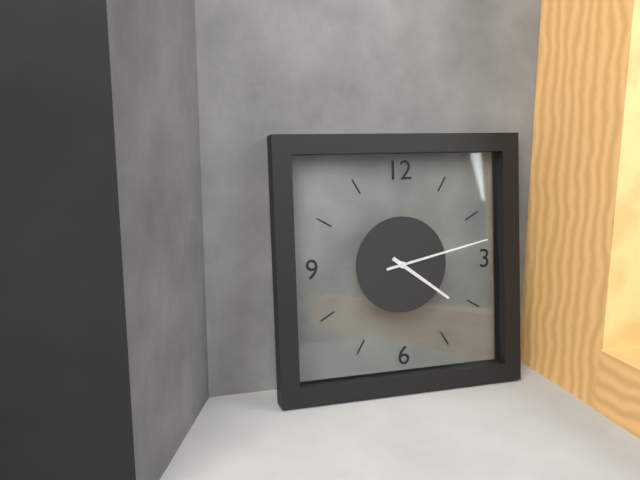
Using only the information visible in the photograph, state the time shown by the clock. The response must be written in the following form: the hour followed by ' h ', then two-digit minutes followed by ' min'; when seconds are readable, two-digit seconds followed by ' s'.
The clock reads 4 h 13 min
